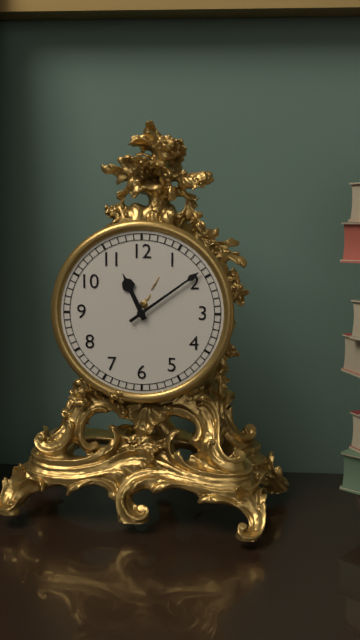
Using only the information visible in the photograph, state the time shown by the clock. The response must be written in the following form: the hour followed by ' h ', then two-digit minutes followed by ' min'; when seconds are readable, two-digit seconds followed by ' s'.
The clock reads 11 h 09 min
